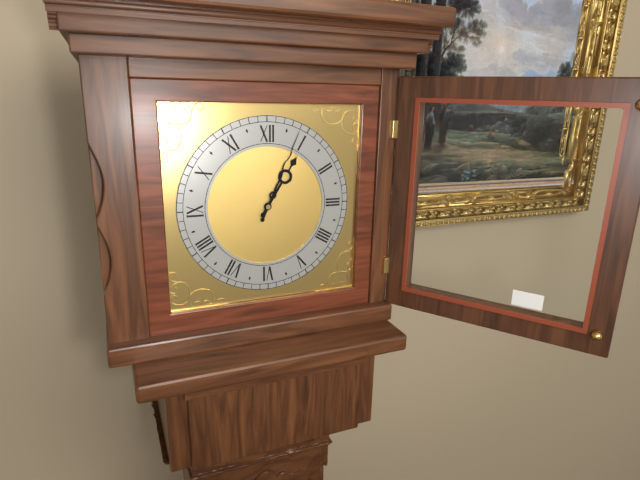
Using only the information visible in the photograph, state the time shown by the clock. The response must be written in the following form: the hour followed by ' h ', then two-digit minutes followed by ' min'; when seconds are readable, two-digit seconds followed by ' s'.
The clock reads 1 h 04 min
